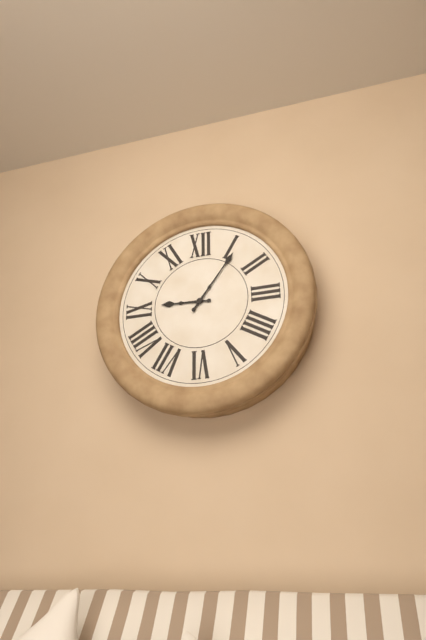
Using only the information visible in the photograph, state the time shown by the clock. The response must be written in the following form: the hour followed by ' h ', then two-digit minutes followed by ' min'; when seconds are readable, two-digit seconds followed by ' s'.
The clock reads 9 h 06 min
